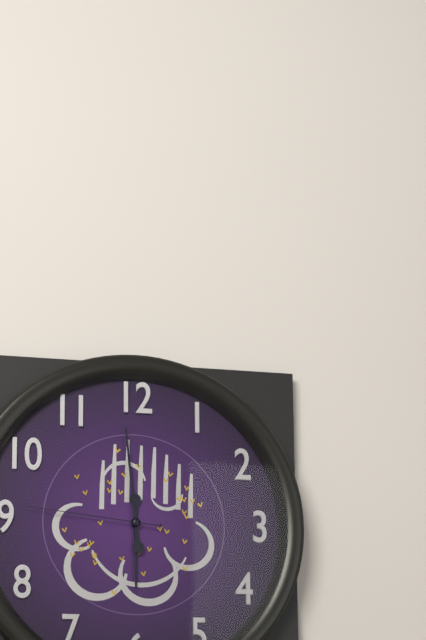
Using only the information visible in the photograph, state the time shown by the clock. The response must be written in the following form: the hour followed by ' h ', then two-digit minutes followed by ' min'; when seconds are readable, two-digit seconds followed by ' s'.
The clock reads 5 h 59 min 46 s
